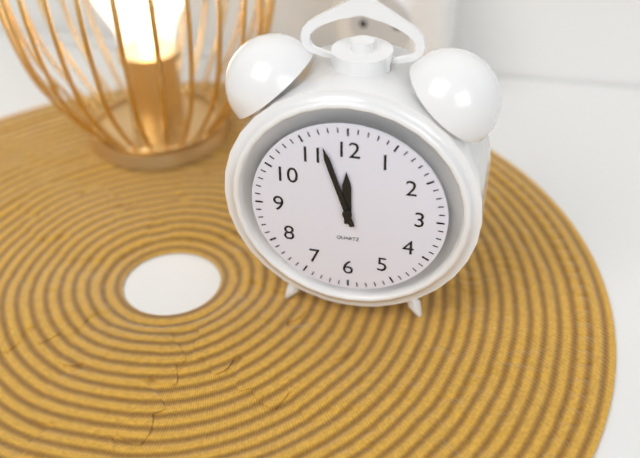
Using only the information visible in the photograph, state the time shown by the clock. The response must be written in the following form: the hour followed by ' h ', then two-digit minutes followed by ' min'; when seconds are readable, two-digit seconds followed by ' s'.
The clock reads 11 h 57 min
